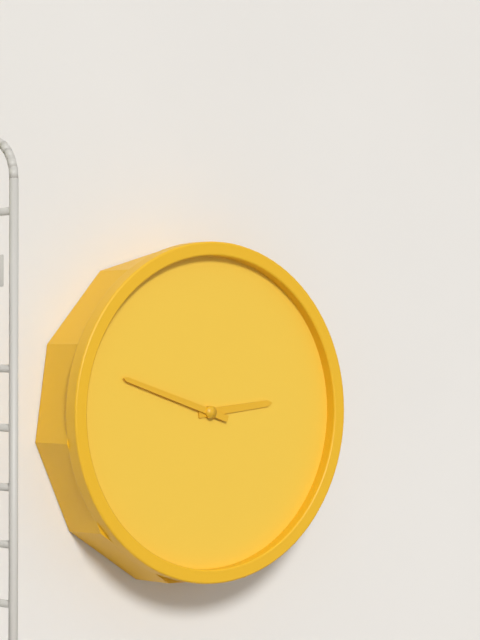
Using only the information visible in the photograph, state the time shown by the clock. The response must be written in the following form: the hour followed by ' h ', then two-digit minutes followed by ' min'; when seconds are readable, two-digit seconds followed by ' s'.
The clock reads 2 h 48 min
